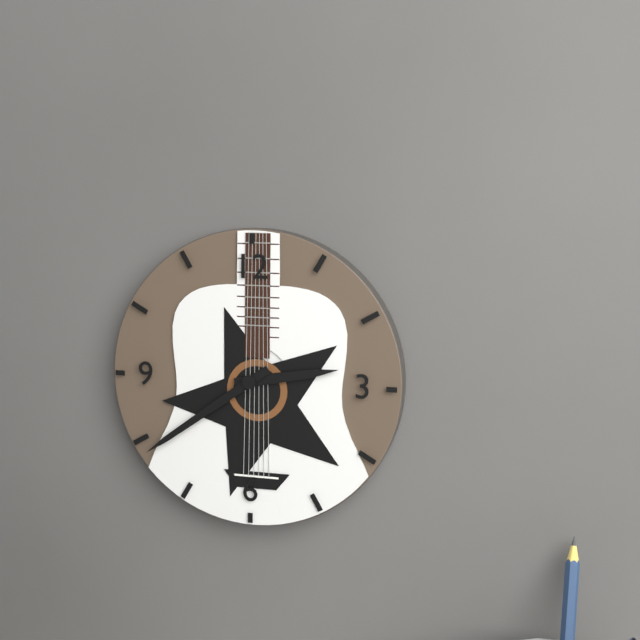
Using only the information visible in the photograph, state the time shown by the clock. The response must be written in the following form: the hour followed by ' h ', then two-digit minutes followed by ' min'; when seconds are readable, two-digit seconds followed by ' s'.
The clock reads 2 h 39 min
